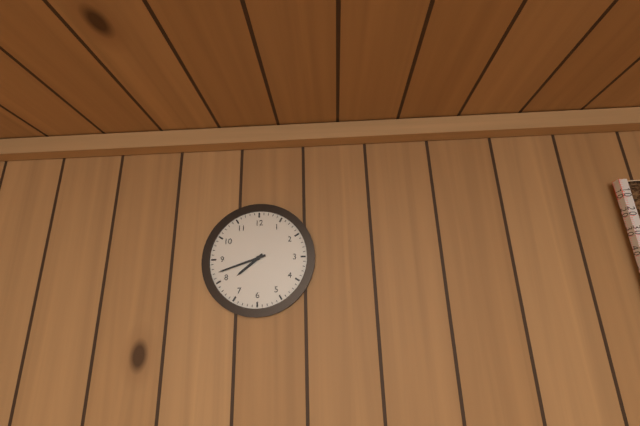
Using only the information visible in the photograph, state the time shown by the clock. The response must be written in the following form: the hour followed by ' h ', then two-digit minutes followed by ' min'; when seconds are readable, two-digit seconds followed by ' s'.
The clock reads 7 h 42 min
